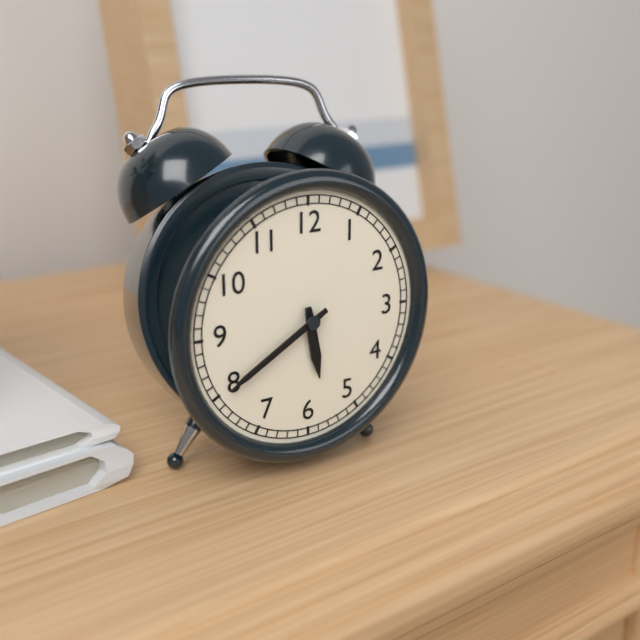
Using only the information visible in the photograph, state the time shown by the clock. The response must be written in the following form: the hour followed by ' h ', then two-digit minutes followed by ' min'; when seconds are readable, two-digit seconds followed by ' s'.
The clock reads 5 h 40 min
